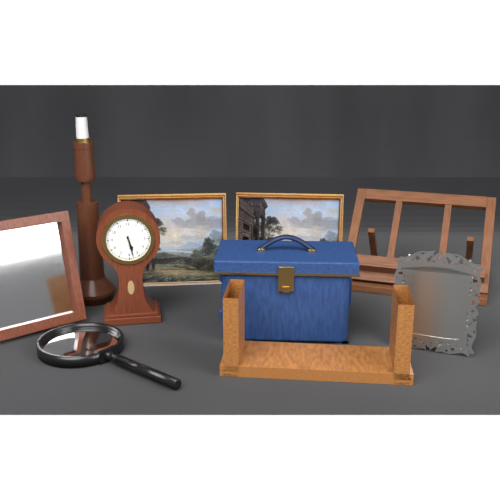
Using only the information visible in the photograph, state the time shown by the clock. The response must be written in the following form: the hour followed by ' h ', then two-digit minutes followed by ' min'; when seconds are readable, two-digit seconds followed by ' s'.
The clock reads 5 h 28 min
